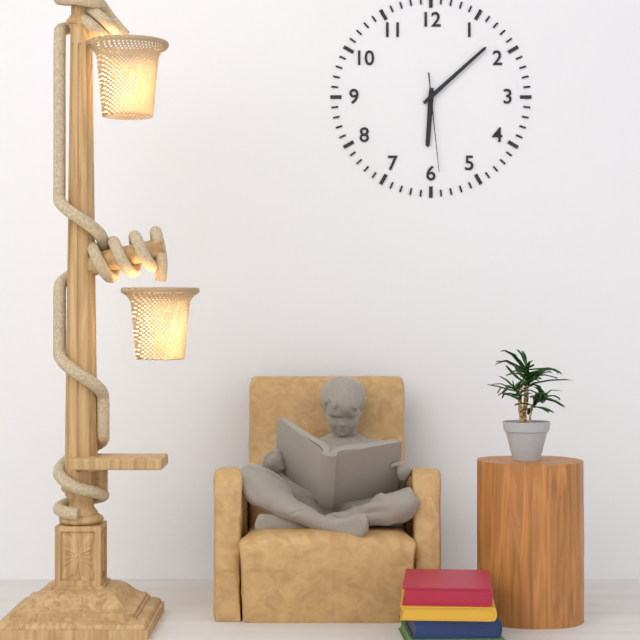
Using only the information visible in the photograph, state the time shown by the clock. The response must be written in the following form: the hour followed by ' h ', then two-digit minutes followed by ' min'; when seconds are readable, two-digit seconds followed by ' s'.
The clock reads 6 h 08 min 29 s
